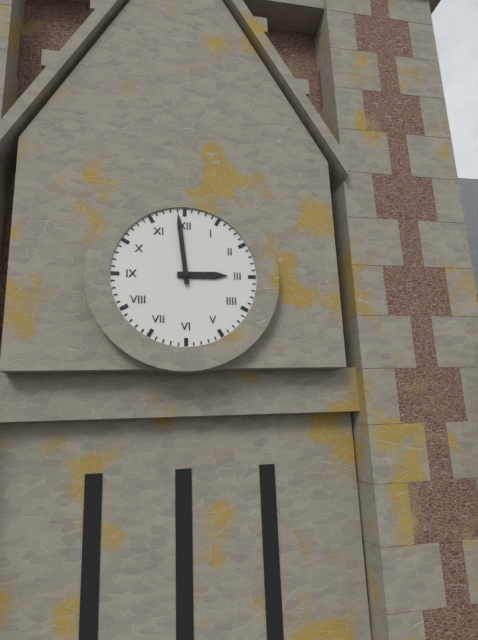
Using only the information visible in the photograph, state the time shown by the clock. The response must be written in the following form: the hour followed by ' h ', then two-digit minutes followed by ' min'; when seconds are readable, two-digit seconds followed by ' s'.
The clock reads 2 h 59 min
